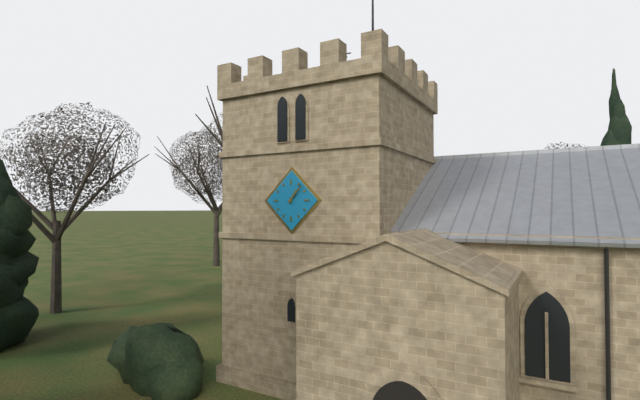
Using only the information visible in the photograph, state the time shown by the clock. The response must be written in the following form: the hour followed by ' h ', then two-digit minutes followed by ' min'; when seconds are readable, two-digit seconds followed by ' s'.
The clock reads 1 h 07 min
